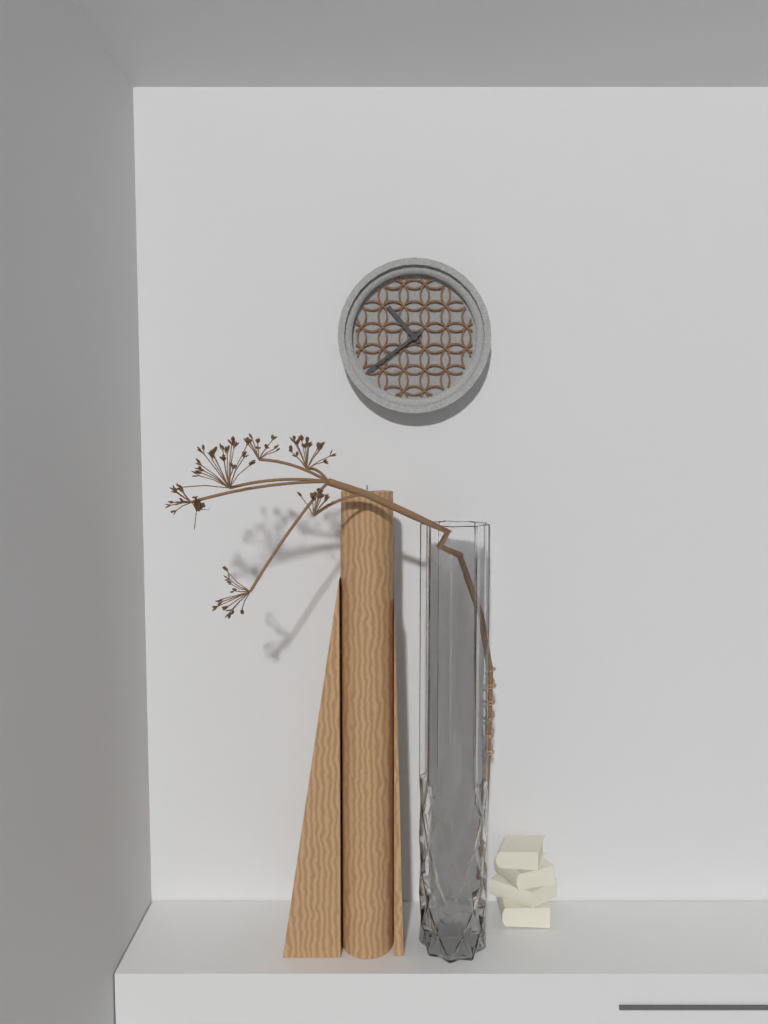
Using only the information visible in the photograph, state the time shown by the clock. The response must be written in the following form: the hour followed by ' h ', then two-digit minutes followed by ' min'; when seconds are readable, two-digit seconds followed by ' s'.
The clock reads 10 h 39 min
